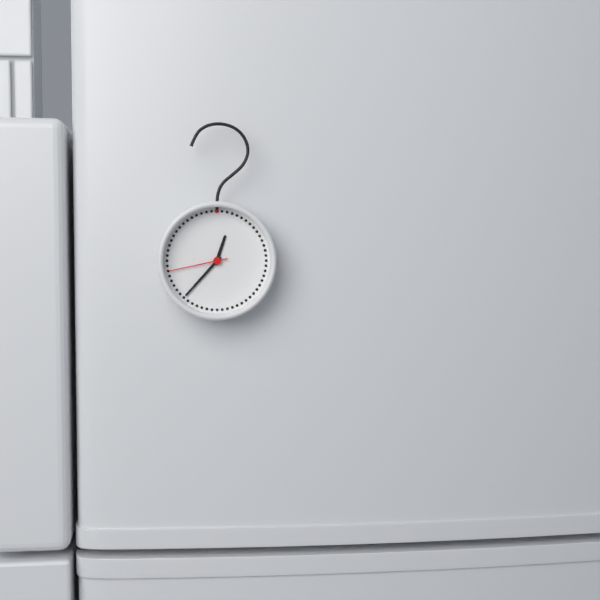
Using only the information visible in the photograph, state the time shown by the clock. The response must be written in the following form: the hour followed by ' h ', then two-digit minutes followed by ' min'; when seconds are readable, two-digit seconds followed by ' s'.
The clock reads 12 h 37 min 43 s
